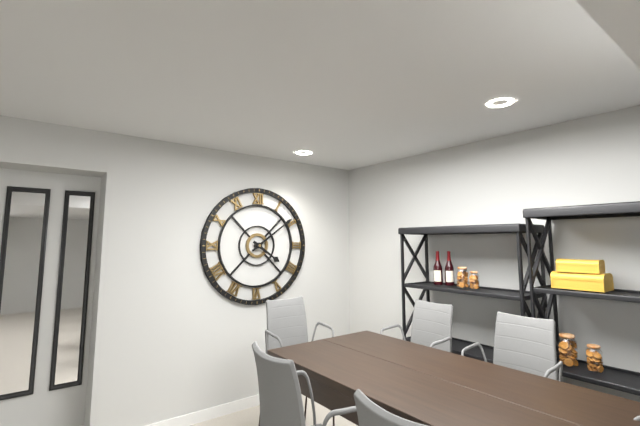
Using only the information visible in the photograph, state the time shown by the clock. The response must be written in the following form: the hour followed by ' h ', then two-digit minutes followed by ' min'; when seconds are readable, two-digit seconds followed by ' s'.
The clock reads 4 h 09 min
